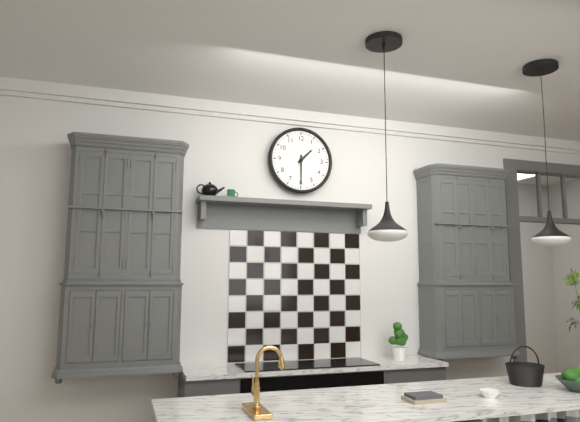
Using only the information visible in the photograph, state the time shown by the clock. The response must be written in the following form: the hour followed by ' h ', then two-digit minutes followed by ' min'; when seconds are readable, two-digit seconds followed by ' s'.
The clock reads 1 h 30 min
